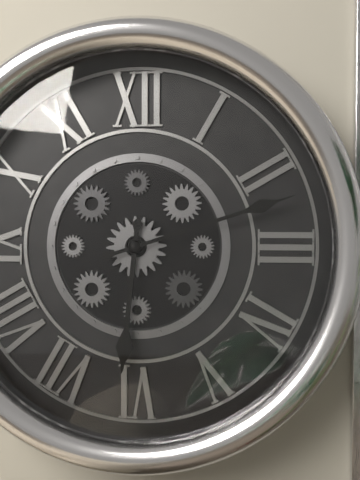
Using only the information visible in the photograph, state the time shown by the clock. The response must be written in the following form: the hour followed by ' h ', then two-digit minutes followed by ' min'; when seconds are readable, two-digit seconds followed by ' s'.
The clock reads 6 h 12 min
